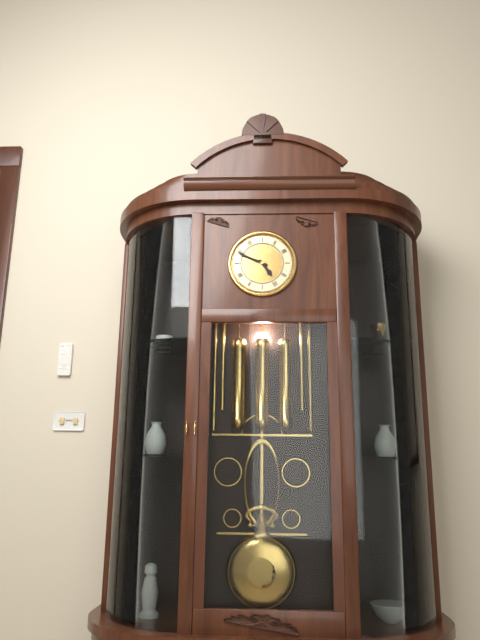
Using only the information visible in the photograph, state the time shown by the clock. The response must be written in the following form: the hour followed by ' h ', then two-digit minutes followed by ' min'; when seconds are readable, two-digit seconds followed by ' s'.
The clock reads 4 h 49 min
